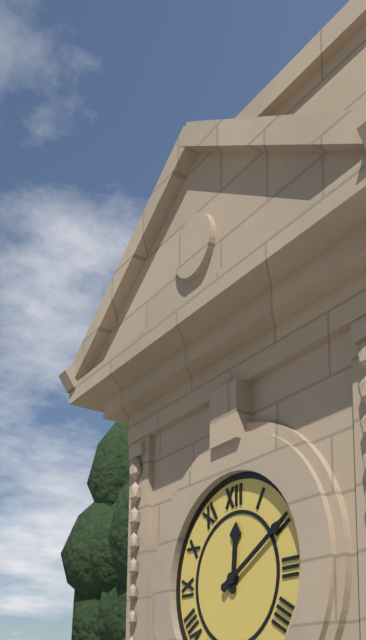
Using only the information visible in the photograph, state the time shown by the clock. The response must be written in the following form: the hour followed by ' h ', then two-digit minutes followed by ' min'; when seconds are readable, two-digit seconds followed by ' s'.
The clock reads 12 h 10 min
